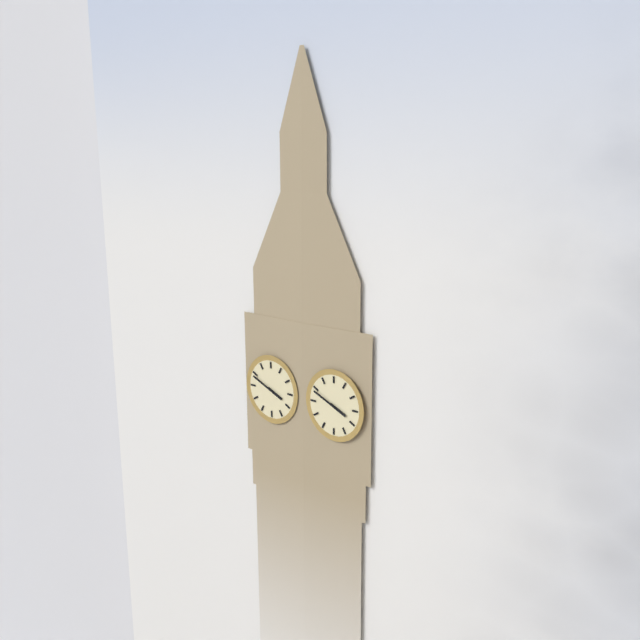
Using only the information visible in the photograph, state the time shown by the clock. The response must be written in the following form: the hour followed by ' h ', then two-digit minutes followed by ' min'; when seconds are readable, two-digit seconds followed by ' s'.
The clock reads 3 h 49 min
